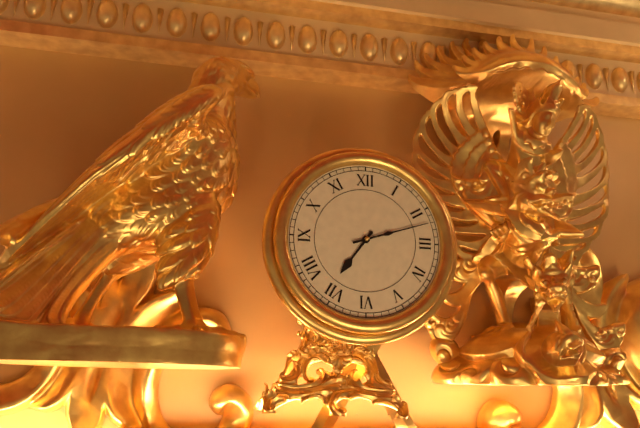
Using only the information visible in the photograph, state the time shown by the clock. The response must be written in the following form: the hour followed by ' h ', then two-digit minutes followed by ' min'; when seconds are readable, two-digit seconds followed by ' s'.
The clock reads 7 h 12 min
